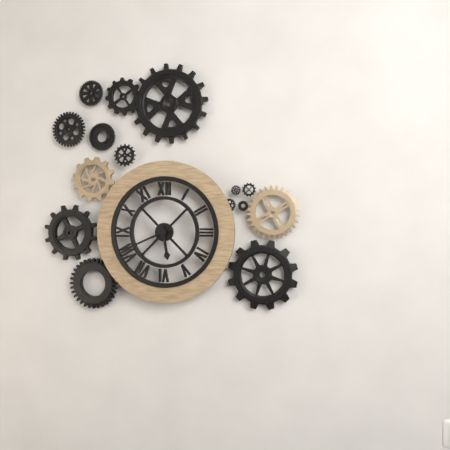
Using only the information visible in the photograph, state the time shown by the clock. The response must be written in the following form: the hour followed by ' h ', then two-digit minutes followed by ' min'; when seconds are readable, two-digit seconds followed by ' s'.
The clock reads 5 h 41 min
